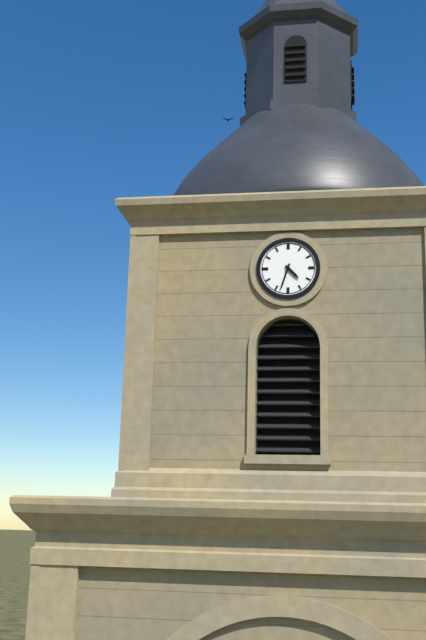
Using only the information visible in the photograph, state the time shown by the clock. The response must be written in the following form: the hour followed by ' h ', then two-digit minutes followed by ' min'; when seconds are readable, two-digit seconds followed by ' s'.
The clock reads 4 h 33 min
